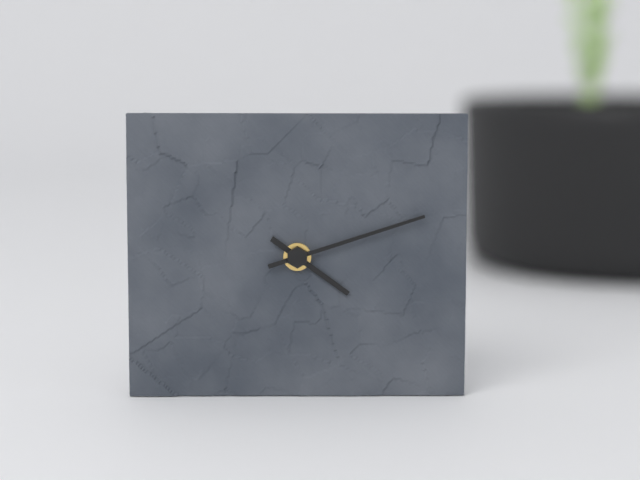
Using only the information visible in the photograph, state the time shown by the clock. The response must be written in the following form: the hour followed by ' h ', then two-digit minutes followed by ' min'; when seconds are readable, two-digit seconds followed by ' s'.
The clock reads 4 h 12 min
